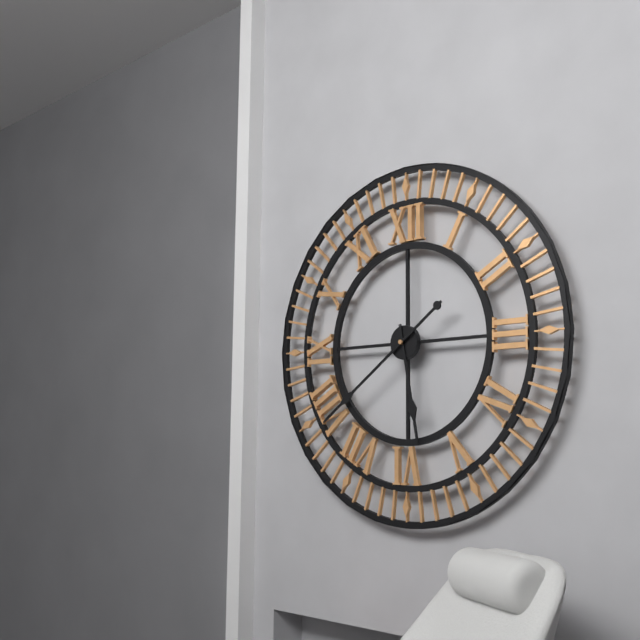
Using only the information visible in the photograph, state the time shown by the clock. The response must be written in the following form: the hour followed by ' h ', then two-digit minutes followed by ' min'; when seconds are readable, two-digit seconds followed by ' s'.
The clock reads 5 h 39 min
